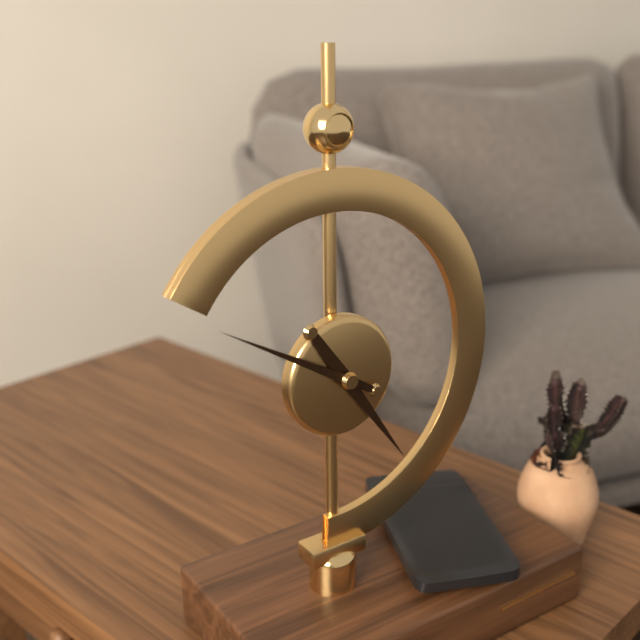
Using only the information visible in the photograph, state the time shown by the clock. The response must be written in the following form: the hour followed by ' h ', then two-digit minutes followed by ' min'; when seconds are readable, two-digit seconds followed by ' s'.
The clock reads 4 h 50 min
